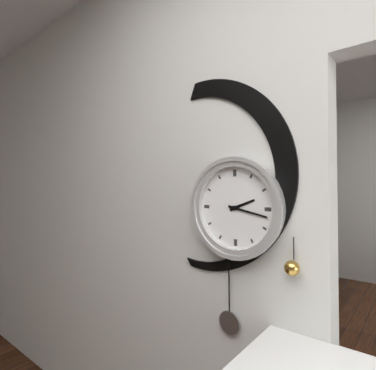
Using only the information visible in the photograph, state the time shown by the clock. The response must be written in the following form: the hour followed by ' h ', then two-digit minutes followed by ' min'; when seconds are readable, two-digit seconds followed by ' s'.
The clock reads 2 h 17 min
